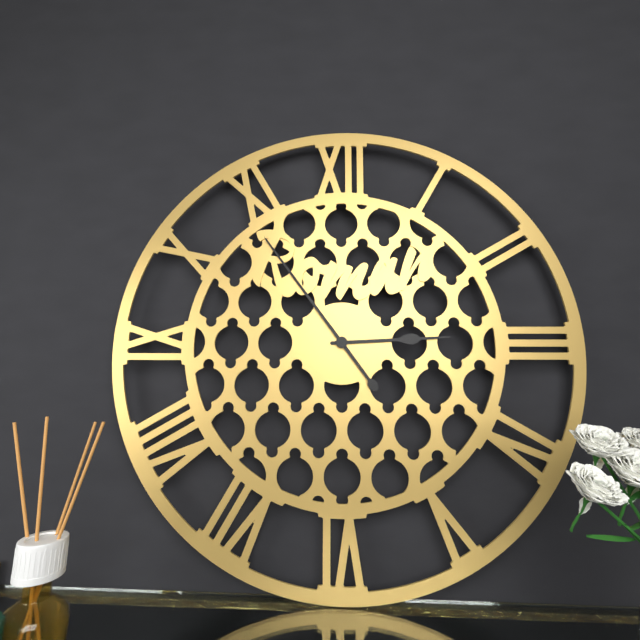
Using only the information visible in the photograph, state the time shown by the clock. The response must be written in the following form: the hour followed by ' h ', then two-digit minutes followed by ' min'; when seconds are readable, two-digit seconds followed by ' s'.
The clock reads 2 h 54 min
